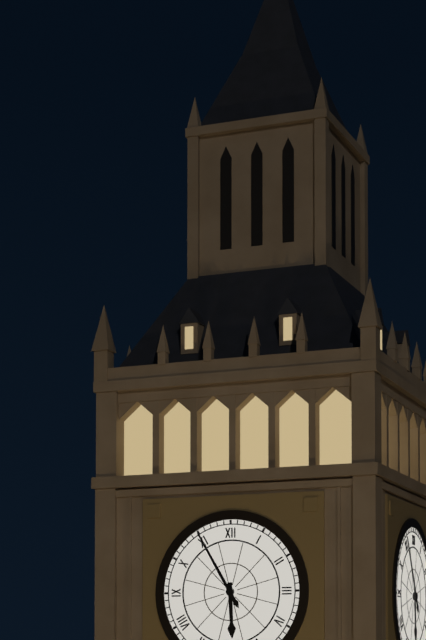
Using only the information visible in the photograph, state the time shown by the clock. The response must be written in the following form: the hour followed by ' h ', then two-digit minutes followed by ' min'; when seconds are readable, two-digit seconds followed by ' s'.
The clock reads 5 h 55 min
